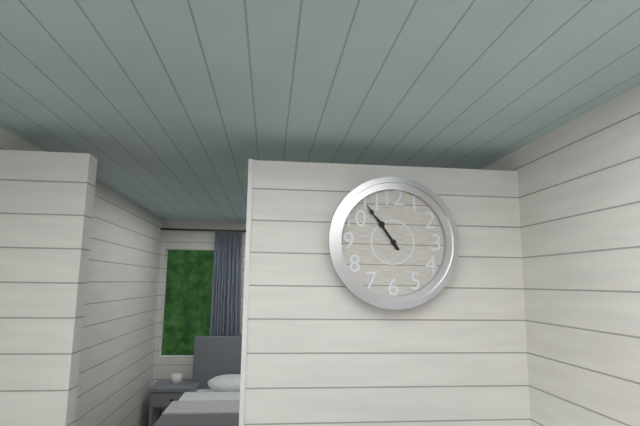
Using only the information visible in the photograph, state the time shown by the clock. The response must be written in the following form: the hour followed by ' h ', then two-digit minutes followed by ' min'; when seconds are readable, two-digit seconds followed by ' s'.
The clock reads 10 h 54 min
